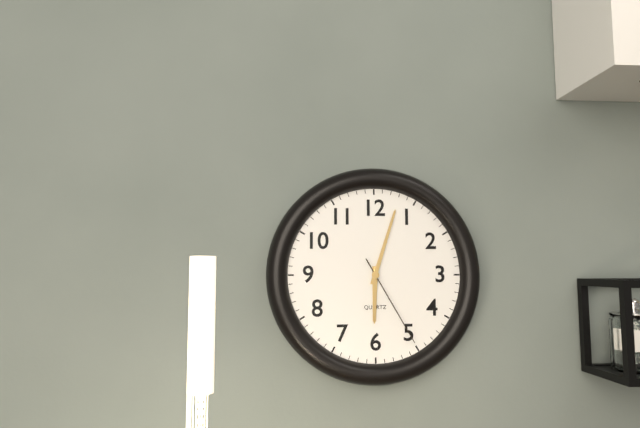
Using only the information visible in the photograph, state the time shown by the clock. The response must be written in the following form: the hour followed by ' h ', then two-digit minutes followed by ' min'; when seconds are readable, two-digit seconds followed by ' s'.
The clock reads 6 h 03 min 25 s
